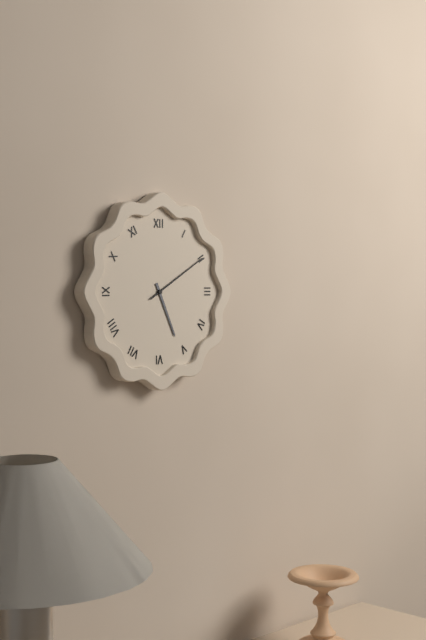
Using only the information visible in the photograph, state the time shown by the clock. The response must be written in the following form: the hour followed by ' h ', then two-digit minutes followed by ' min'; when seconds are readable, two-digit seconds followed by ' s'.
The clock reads 5 h 10 min
